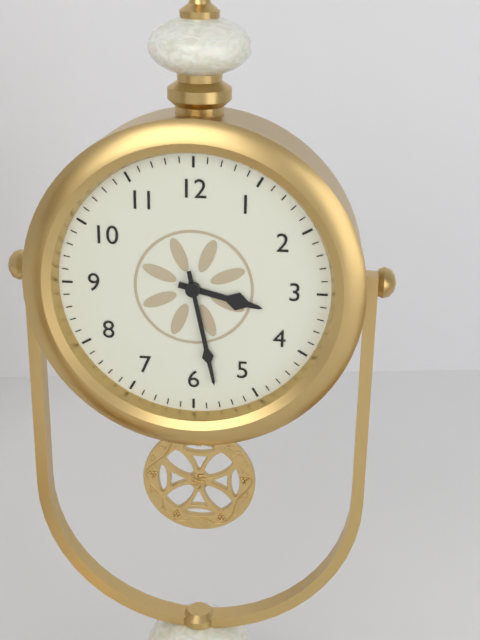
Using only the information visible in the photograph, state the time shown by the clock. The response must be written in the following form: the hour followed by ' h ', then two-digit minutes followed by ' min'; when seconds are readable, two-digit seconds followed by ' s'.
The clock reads 3 h 28 min
